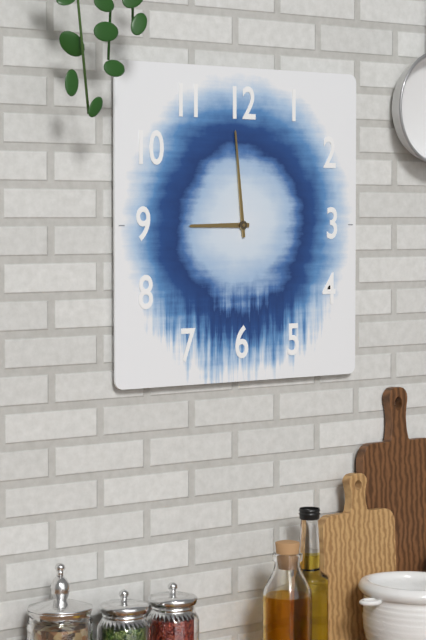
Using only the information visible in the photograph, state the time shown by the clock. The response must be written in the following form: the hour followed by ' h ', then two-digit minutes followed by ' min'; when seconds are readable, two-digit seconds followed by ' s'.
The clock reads 8 h 59 min
